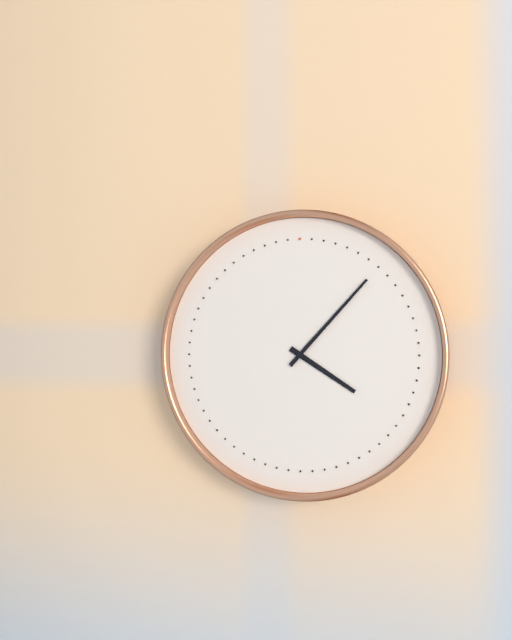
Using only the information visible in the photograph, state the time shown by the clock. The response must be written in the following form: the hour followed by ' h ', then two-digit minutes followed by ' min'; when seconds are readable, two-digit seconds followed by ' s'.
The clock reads 4 h 07 min
